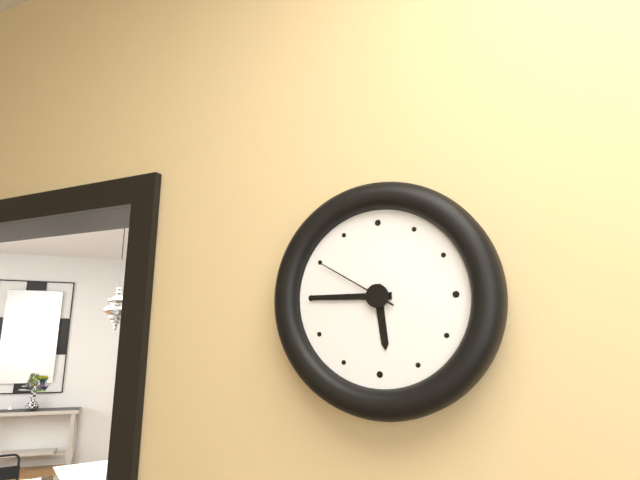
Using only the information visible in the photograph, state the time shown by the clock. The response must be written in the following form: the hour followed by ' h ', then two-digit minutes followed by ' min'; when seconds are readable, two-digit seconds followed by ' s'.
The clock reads 5 h 45 min 50 s
